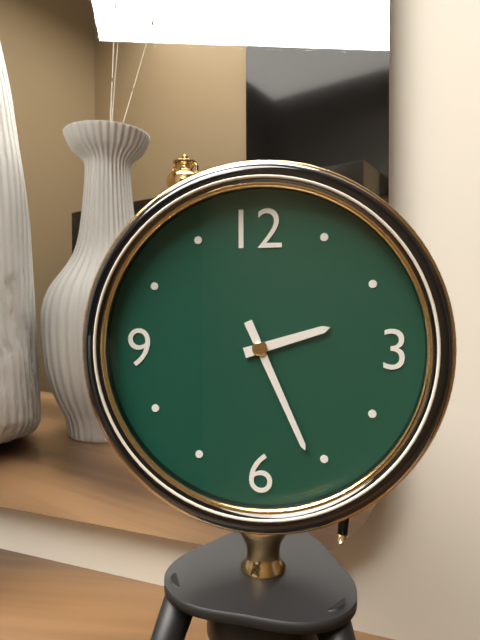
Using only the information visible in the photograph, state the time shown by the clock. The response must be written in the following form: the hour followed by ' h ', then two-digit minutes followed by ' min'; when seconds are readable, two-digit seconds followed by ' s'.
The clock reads 2 h 26 min
